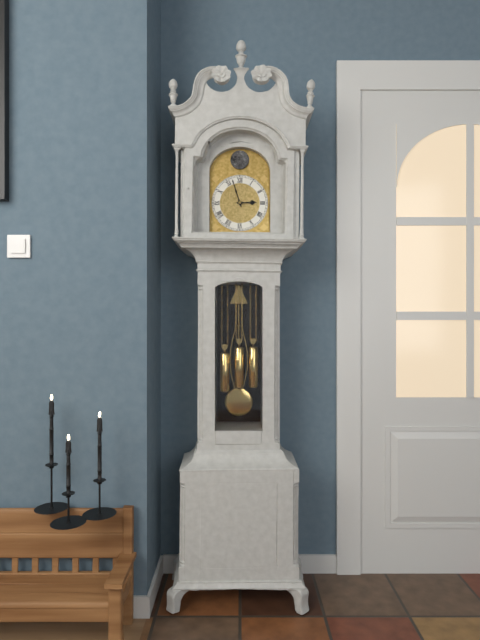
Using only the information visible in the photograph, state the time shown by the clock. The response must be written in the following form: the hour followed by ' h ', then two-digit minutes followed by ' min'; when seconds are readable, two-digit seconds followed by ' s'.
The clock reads 2 h 57 min
